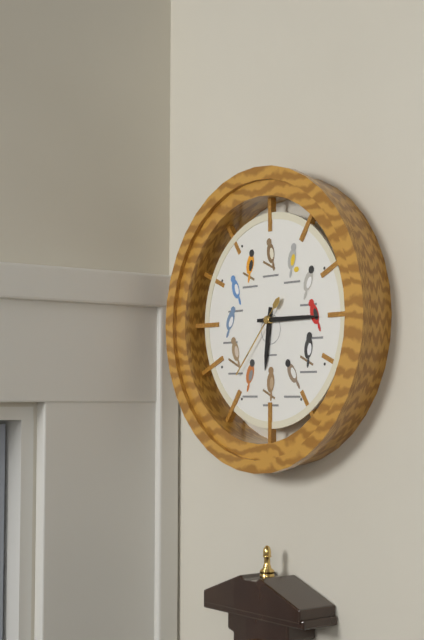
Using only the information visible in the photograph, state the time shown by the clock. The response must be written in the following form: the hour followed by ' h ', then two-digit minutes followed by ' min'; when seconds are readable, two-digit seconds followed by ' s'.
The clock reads 6 h 15 min 37 s
